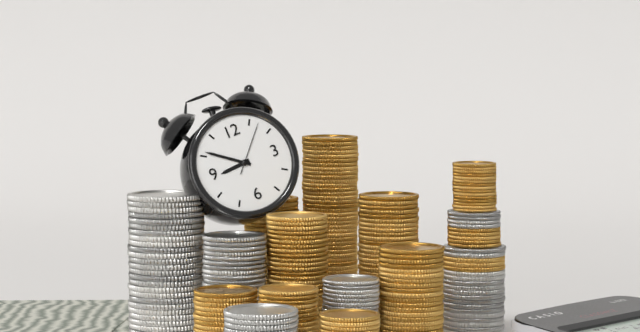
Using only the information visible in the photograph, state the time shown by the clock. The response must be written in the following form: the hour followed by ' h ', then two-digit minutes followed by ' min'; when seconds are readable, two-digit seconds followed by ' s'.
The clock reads 8 h 51 min 07 s
